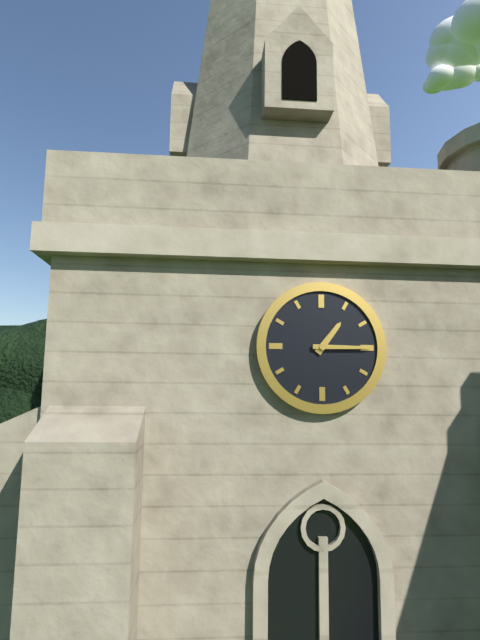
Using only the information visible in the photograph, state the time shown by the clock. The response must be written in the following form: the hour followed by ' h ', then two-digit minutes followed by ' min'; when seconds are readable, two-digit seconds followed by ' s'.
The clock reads 1 h 15 min
